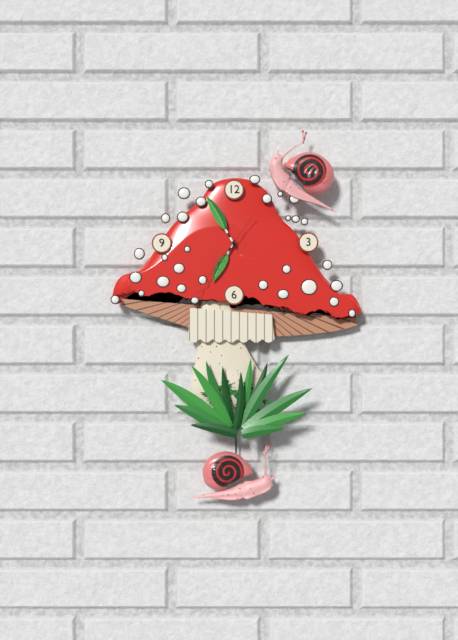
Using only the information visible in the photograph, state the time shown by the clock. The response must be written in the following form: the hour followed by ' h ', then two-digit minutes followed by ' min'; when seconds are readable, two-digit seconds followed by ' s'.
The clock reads 6 h 55 min 36 s
